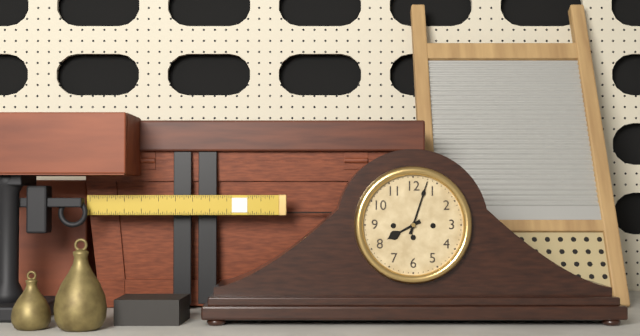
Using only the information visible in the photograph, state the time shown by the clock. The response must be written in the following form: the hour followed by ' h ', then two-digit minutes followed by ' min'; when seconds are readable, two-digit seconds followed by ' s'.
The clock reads 8 h 03 min
